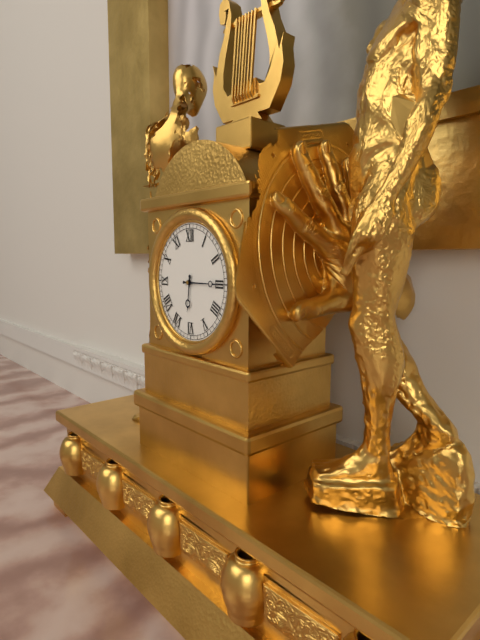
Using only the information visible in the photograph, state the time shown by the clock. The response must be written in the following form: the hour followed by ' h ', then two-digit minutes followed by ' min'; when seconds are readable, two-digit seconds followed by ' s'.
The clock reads 6 h 15 min
